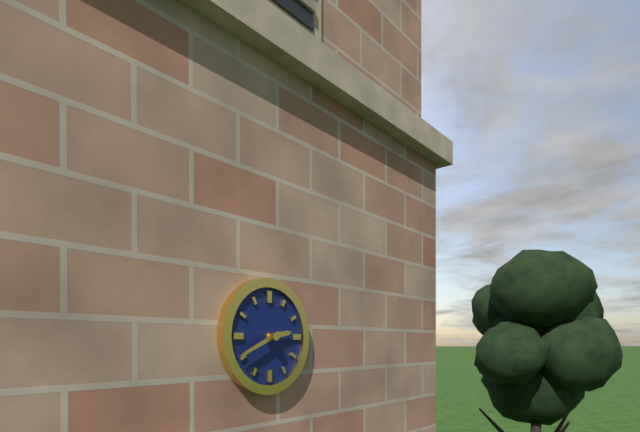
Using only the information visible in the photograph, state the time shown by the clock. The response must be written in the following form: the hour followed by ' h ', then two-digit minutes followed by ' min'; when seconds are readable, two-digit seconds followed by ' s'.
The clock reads 2 h 41 min
